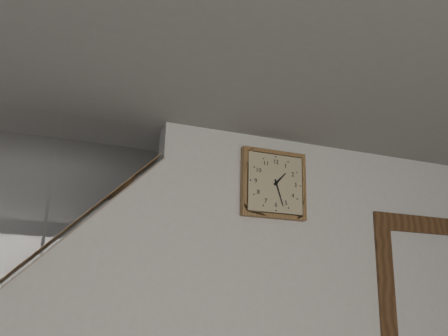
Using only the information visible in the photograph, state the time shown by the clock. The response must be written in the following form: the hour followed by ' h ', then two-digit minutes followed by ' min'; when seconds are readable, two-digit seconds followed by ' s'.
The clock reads 1 h 27 min
